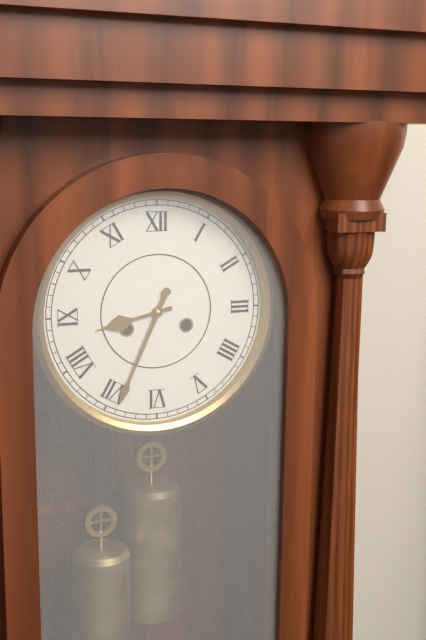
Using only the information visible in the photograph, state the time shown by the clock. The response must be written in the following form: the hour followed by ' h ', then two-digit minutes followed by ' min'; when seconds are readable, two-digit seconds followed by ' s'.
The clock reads 8 h 34 min
